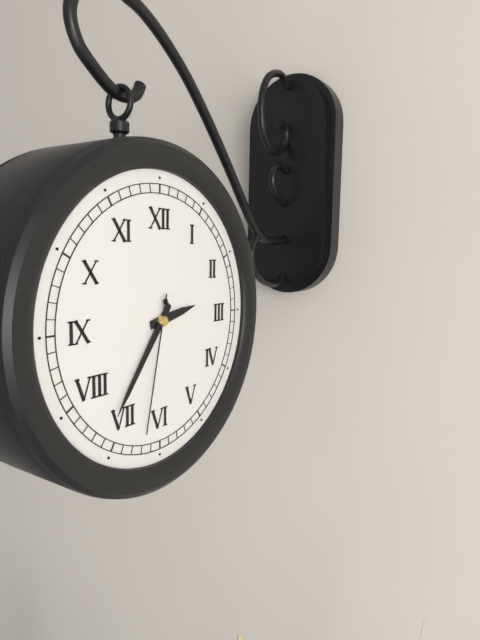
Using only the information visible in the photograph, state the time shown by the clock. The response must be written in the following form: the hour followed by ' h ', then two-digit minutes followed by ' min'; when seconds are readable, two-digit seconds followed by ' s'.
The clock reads 2 h 36 min 32 s
